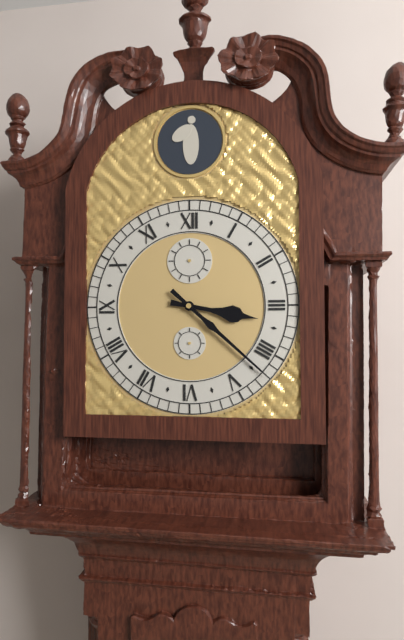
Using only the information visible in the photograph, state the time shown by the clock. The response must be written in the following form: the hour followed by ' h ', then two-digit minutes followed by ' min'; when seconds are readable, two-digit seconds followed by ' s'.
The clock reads 3 h 22 min
